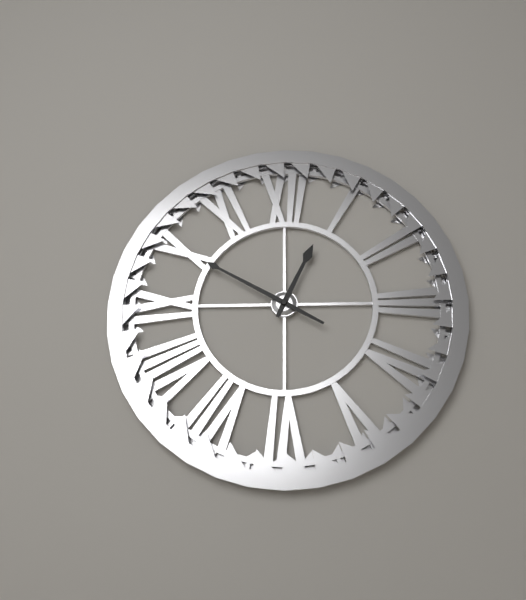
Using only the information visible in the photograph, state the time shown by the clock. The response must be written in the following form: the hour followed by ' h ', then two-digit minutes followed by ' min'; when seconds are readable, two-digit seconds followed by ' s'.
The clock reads 12 h 50 min
